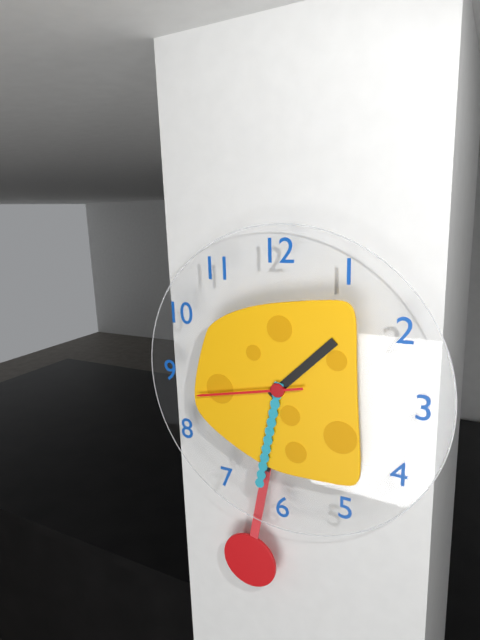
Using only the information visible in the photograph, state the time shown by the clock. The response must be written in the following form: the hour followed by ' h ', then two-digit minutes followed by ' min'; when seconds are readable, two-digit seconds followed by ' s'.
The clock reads 1 h 32 min 43 s
